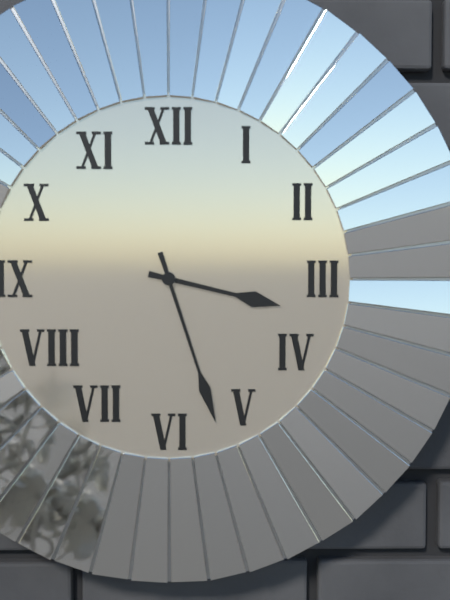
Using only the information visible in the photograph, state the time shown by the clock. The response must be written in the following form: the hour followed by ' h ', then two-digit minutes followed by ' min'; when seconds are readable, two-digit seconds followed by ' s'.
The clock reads 3 h 27 min
